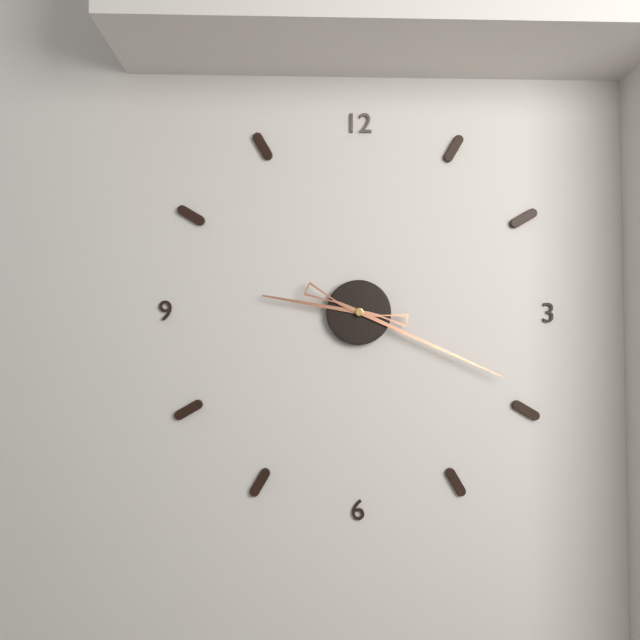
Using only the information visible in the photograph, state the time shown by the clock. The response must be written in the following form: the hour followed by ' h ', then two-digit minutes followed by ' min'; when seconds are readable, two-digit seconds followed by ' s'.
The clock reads 9 h 19 min
